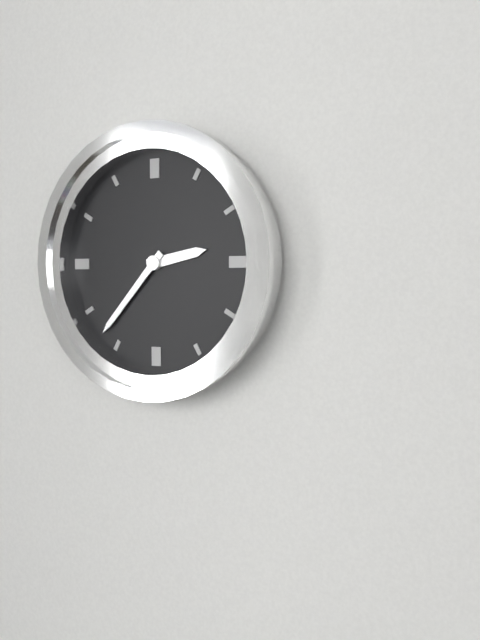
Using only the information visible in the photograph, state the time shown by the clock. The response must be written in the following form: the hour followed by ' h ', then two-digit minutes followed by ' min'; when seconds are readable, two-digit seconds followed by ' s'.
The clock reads 2 h 37 min
